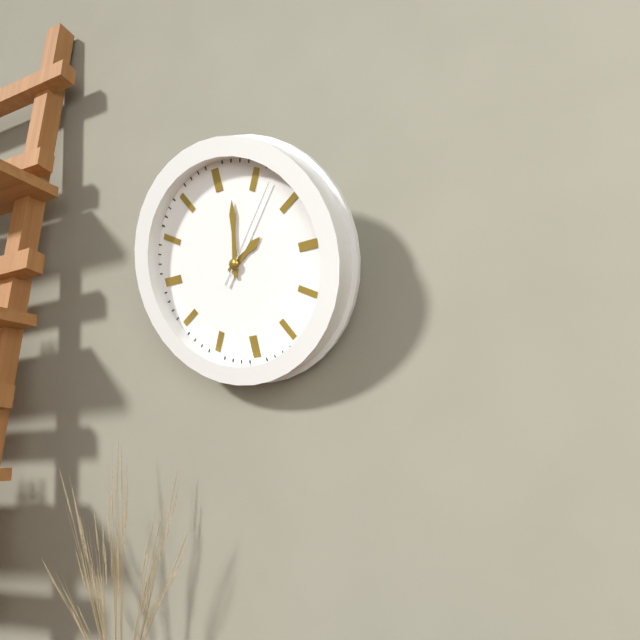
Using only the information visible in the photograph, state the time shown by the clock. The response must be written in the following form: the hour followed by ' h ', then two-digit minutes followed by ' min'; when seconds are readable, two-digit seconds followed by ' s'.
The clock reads 2 h 02 min 07 s
